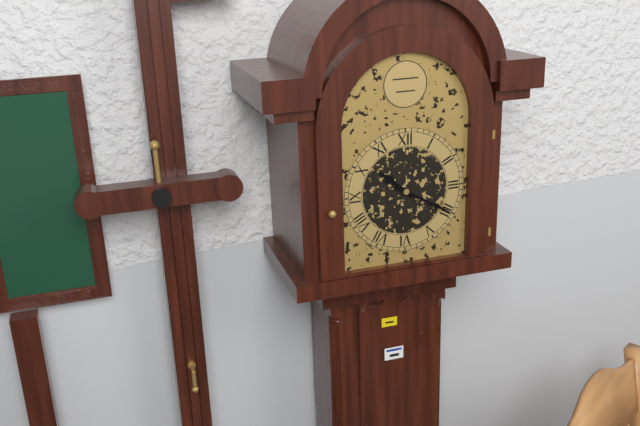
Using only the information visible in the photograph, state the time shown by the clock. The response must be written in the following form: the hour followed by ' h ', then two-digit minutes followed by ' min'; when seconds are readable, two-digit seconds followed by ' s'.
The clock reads 10 h 20 min
